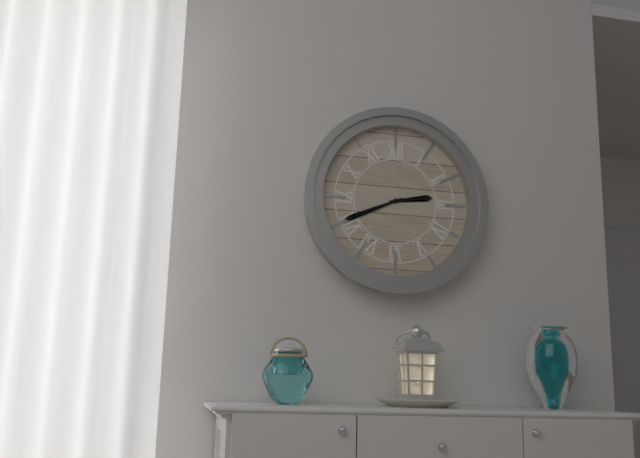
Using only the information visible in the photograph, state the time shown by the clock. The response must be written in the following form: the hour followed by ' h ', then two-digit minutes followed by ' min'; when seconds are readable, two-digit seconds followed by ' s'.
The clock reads 2 h 41 min
